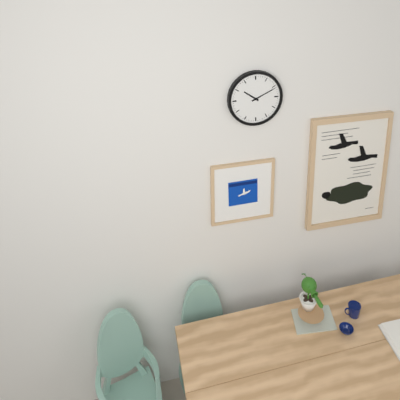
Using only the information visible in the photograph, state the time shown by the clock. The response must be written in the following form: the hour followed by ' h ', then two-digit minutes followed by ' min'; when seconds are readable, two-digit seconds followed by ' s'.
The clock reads 10 h 11 min
